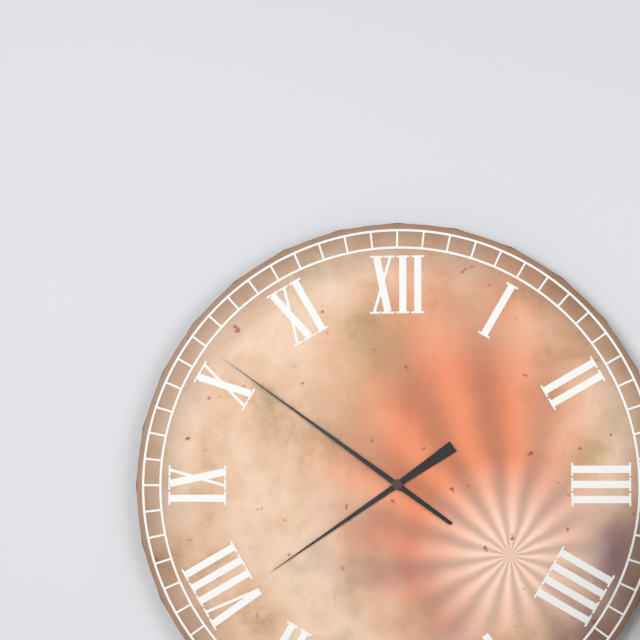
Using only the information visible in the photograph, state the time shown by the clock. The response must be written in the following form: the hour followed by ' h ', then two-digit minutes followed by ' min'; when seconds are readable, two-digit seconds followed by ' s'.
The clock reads 7 h 51 min
